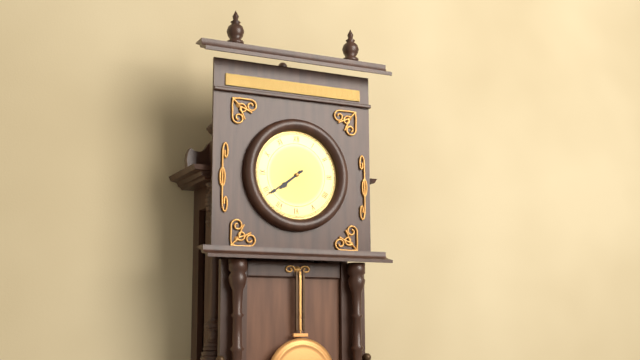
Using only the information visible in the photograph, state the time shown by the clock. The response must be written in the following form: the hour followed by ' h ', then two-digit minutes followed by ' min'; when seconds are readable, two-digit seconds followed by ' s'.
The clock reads 7 h 39 min
